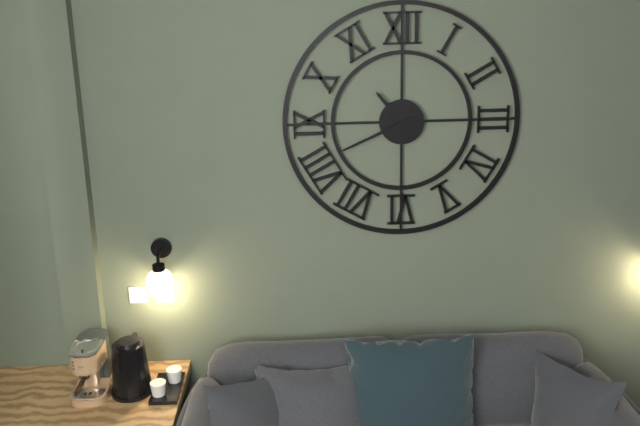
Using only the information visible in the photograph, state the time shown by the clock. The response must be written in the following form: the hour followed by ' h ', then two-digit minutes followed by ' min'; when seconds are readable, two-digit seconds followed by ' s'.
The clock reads 10 h 41 min
